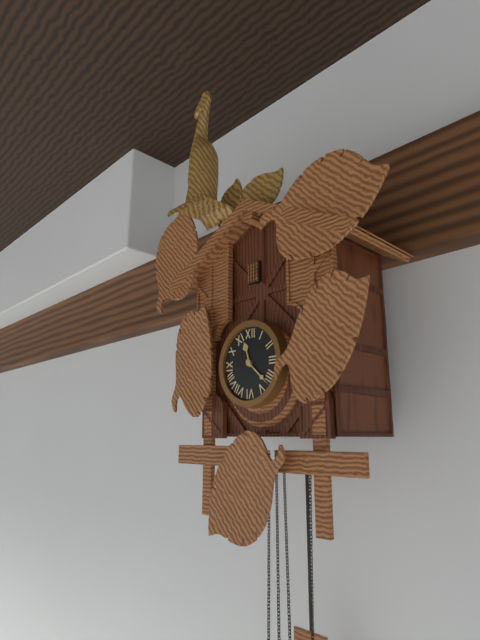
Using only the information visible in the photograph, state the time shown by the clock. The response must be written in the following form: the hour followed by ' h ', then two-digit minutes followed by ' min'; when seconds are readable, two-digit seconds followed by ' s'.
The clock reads 11 h 22 min
